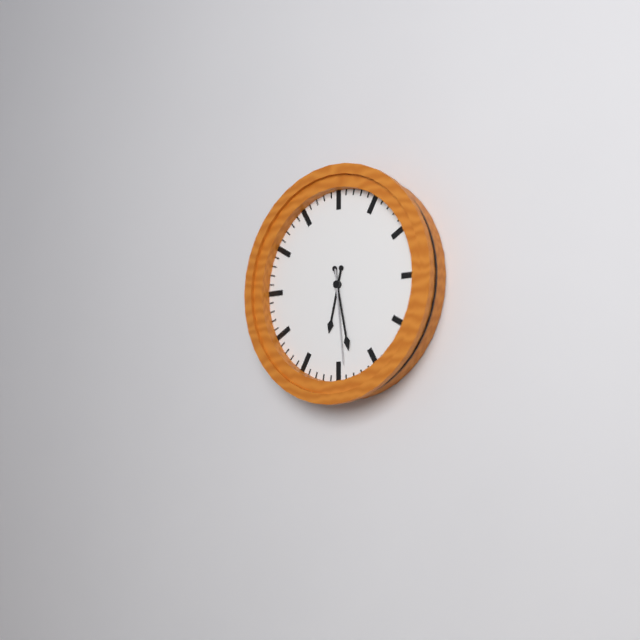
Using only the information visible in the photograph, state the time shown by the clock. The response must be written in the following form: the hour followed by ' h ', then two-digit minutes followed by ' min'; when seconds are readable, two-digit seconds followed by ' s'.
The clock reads 6 h 28 min 29 s
